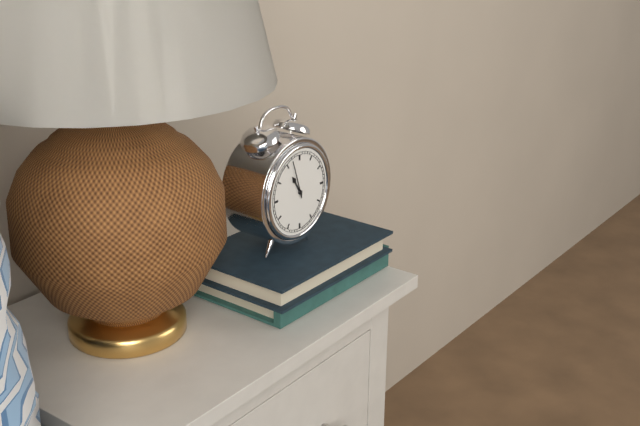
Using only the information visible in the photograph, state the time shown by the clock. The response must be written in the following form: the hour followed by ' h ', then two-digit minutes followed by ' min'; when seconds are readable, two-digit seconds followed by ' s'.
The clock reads 10 h 57 min
